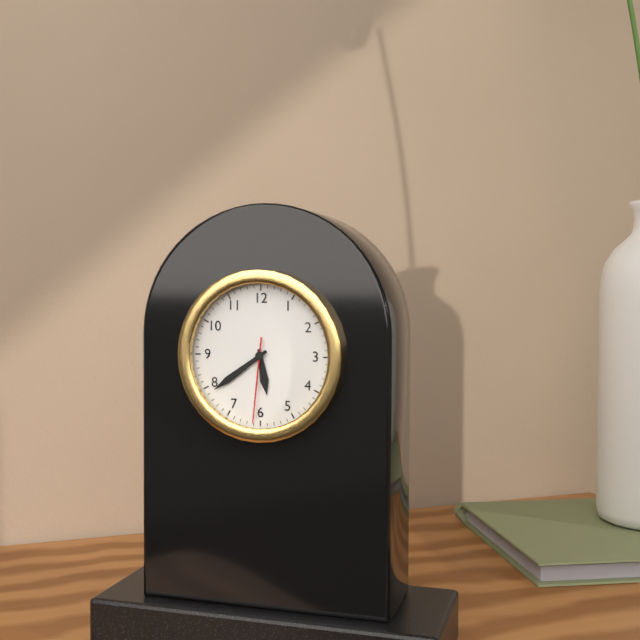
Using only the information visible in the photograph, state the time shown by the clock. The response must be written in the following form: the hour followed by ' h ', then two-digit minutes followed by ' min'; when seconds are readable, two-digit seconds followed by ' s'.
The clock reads 5 h 39 min 31 s
